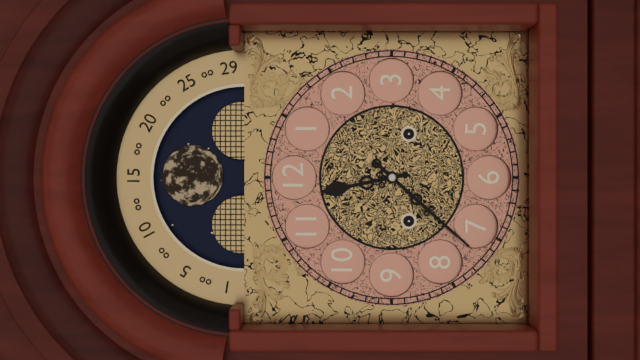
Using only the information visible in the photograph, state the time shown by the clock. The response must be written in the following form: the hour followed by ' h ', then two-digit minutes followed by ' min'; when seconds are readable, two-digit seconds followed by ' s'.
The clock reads 11 h 37 min
